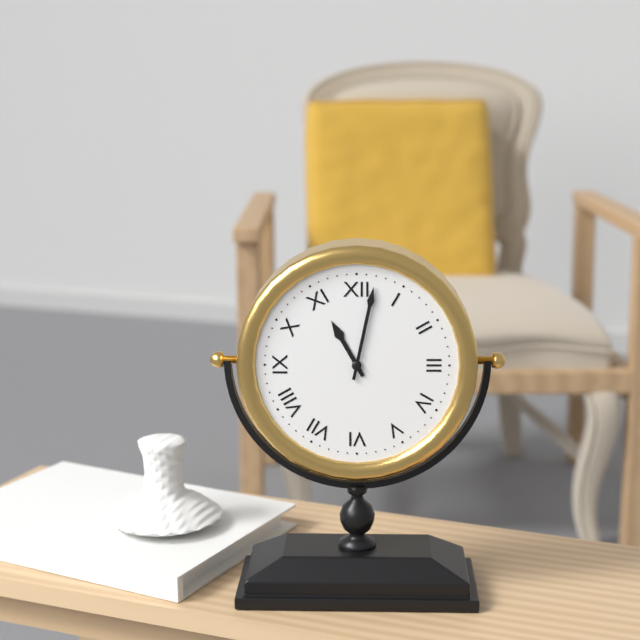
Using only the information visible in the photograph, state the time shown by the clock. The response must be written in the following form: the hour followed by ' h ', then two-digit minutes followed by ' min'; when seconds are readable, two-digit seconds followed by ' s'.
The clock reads 11 h 02 min
